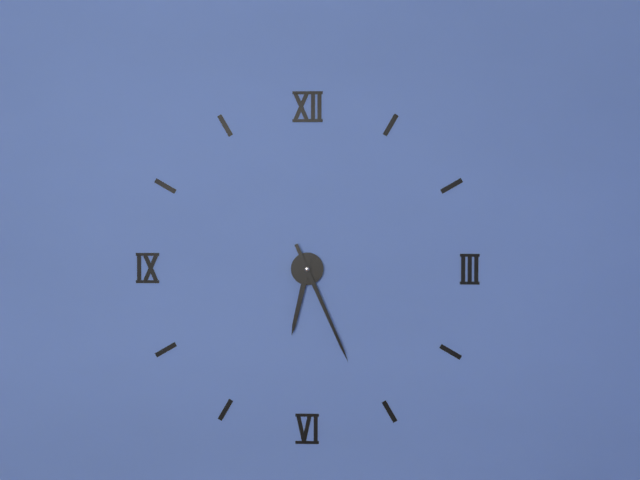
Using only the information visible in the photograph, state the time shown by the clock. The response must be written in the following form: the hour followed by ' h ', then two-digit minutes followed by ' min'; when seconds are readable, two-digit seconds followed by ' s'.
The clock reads 6 h 26 min
